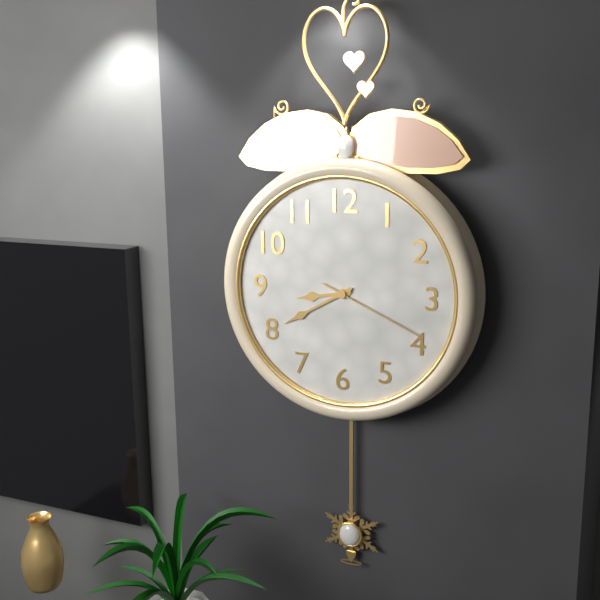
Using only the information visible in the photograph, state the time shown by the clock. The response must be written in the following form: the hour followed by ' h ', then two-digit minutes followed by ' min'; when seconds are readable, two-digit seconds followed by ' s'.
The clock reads 8 h 40 min 19 s
